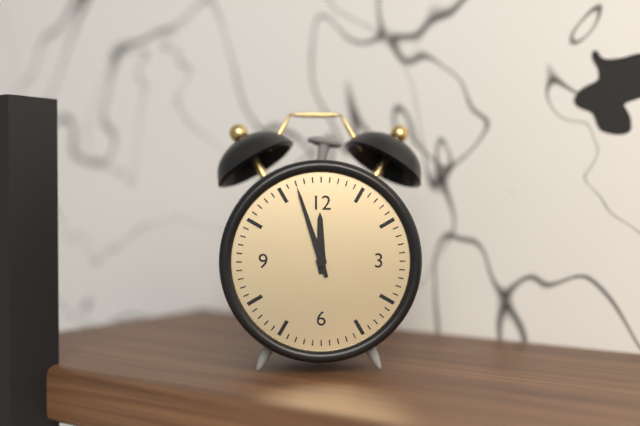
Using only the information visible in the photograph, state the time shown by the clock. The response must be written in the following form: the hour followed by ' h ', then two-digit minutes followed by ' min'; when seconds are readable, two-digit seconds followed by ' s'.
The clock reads 11 h 57 min
